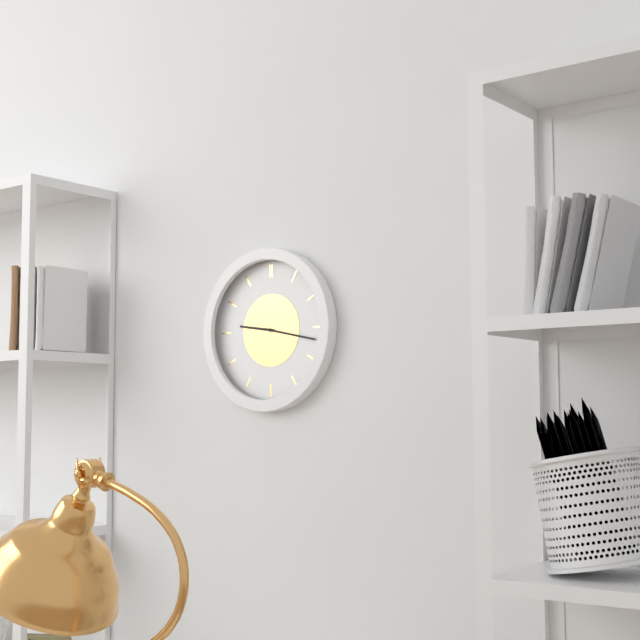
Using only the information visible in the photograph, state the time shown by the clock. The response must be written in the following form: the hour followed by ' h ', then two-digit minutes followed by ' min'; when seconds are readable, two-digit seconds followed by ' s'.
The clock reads 9 h 17 min
